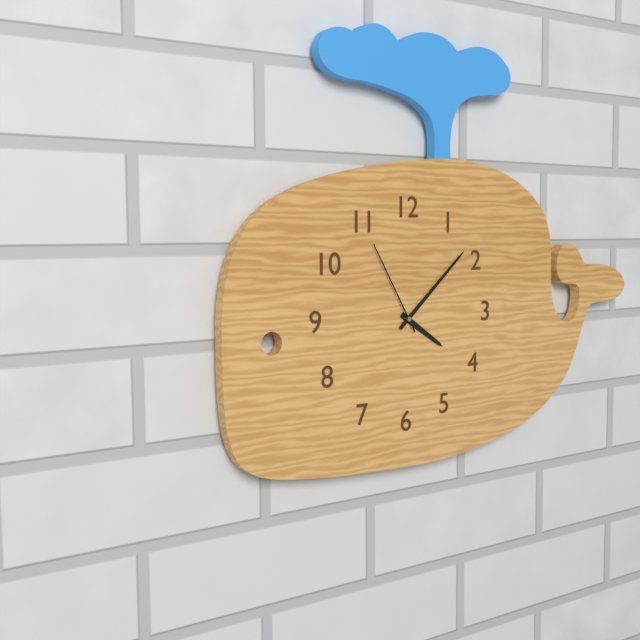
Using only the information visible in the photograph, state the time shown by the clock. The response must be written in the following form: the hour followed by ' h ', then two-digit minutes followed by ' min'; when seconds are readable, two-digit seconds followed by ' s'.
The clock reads 4 h 08 min 55 s
